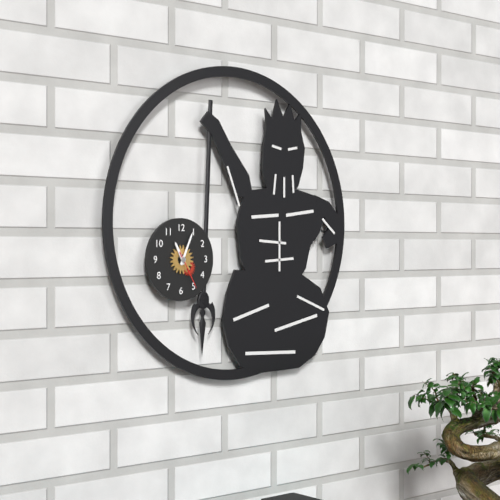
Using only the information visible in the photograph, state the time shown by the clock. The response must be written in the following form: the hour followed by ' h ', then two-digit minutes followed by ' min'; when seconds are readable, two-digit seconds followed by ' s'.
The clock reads 11 h 04 min
